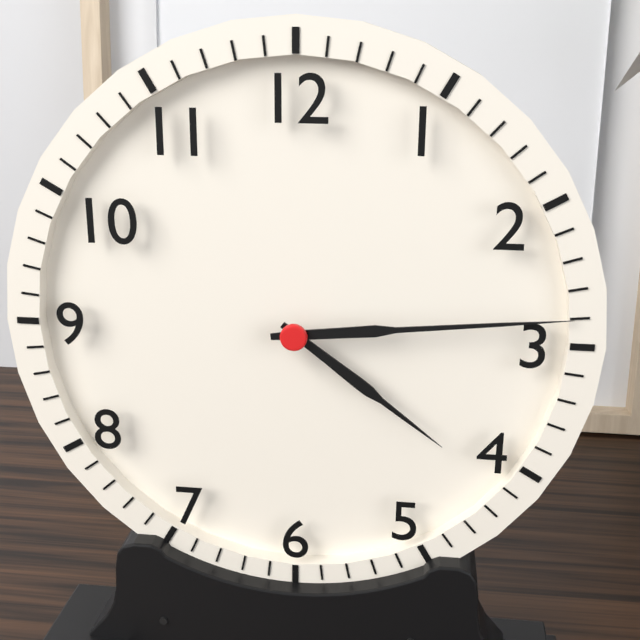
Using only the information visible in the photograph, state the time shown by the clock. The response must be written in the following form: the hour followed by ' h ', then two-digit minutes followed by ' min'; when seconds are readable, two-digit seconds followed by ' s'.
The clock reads 4 h 14 min
